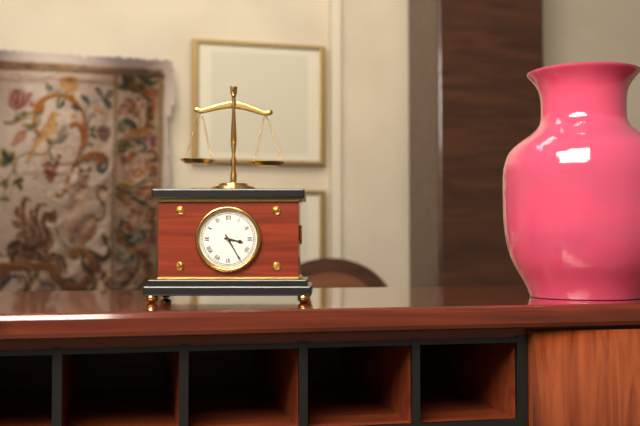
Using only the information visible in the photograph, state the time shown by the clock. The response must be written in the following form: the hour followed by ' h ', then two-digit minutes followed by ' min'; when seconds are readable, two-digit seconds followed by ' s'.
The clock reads 3 h 25 min
